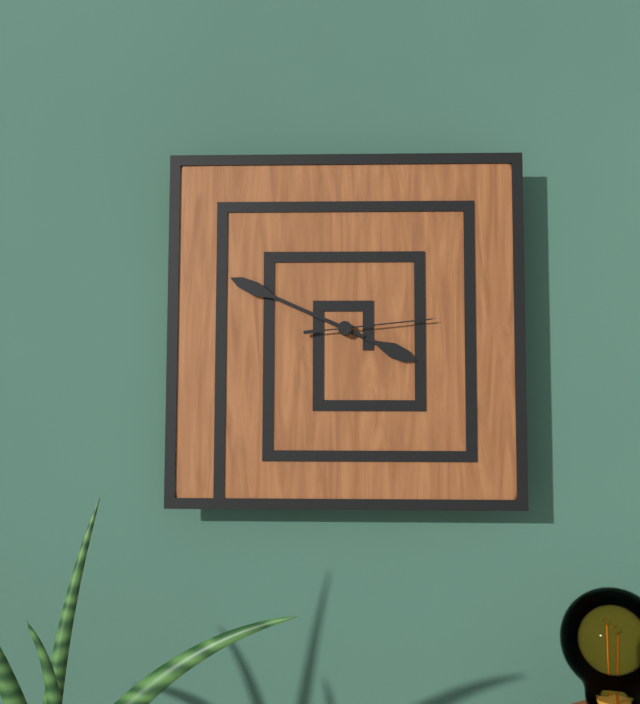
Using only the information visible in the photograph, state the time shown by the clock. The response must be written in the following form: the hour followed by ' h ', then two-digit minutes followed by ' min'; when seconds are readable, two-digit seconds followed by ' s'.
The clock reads 3 h 49 min 14 s
